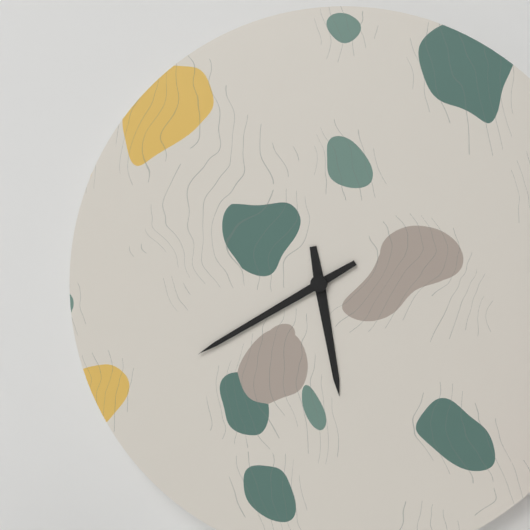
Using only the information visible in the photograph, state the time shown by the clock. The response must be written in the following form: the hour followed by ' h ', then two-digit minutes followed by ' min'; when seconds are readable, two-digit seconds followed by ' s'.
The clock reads 5 h 40 min
